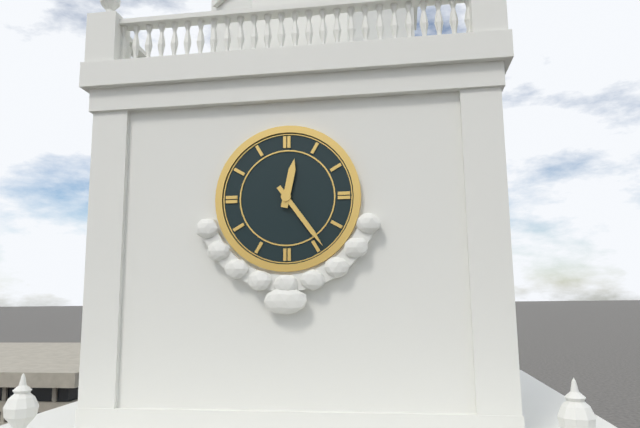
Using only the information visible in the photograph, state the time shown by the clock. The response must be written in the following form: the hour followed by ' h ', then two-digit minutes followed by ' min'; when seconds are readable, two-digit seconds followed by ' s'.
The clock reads 12 h 24 min
